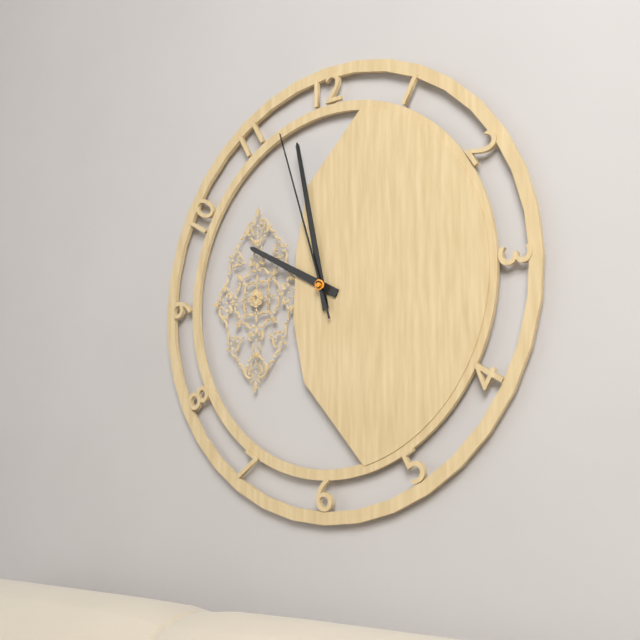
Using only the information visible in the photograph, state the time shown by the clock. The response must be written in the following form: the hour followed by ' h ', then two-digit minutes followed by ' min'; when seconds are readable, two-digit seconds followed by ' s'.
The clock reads 9 h 58 min 57 s
